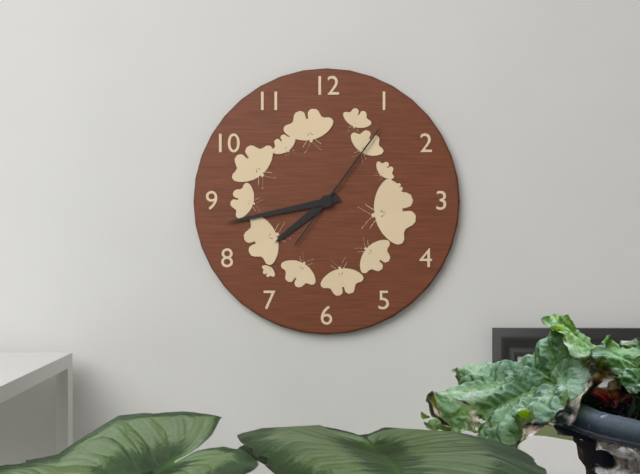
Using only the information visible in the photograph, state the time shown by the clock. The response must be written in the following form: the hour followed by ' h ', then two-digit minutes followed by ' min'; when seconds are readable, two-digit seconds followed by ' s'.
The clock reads 7 h 43 min 06 s
